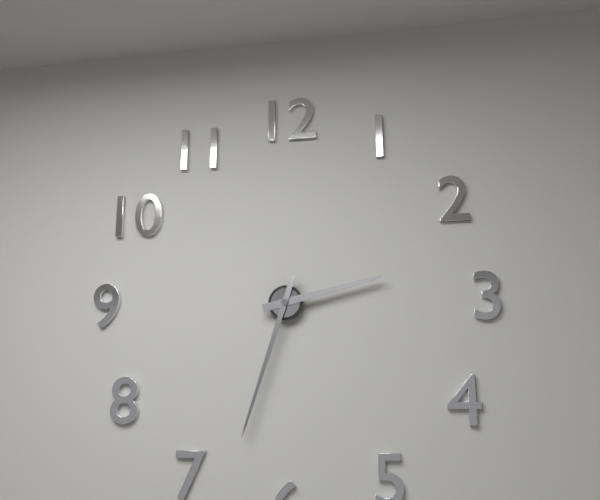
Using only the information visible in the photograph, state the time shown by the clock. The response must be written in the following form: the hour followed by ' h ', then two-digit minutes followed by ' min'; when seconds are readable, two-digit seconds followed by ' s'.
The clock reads 2 h 33 min
